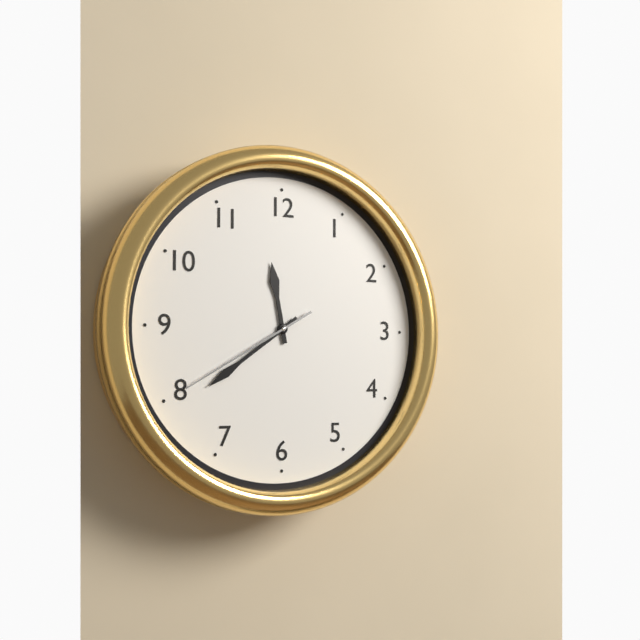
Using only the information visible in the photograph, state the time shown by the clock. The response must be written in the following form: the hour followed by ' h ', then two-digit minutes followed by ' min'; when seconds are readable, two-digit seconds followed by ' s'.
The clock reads 11 h 39 min 40 s
